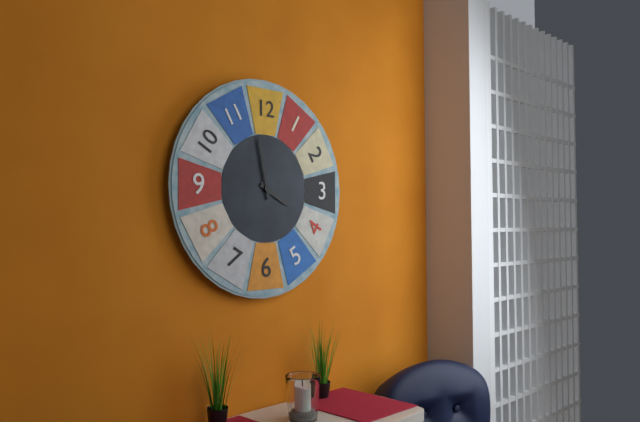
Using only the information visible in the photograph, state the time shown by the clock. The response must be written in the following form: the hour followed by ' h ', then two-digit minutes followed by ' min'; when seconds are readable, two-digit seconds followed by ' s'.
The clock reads 3 h 58 min
